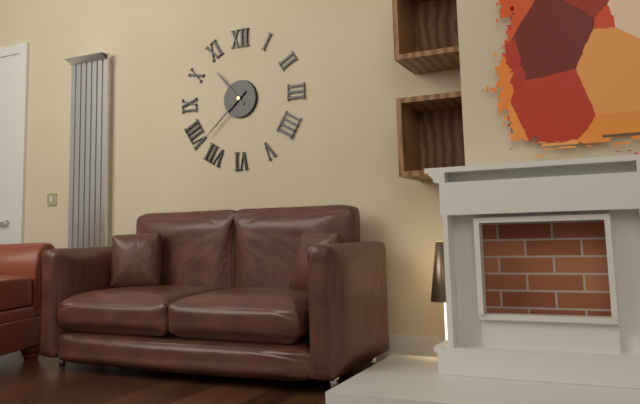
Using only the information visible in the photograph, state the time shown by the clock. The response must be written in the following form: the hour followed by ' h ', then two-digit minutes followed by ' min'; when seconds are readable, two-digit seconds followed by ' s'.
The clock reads 10 h 38 min
